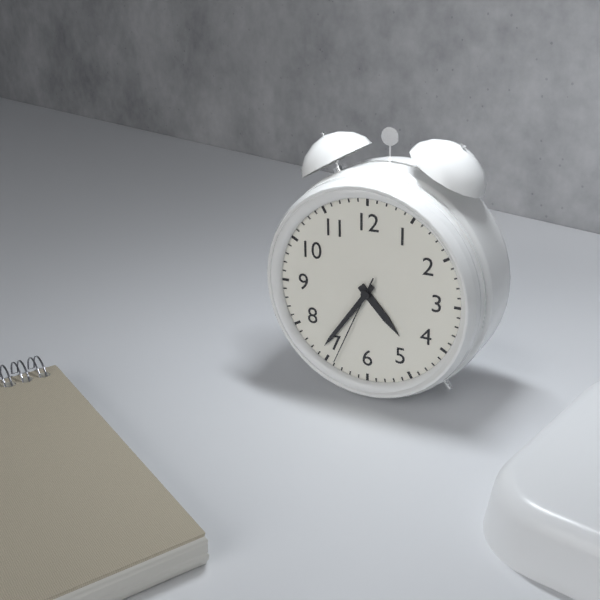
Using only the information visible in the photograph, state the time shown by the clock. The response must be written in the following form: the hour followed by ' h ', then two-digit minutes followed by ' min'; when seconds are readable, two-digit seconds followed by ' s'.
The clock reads 4 h 36 min 34 s
